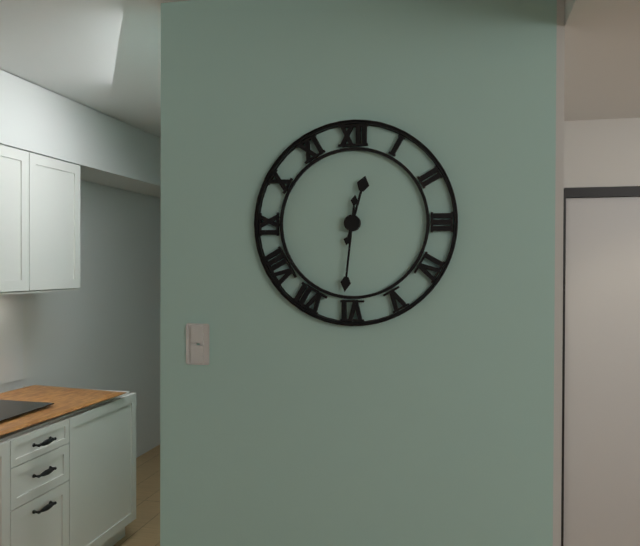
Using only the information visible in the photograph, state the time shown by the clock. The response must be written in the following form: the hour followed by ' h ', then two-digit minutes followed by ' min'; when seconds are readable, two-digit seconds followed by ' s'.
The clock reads 12 h 31 min
